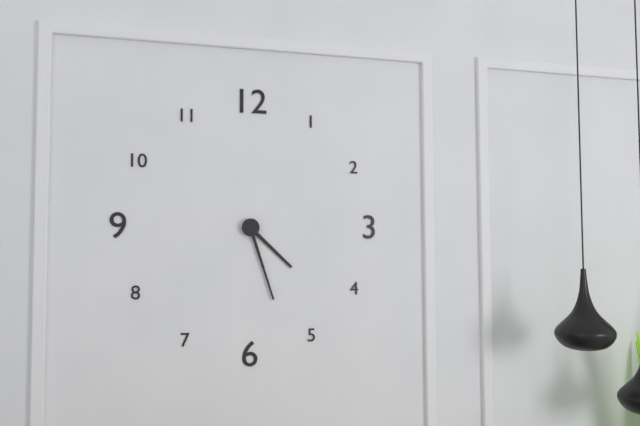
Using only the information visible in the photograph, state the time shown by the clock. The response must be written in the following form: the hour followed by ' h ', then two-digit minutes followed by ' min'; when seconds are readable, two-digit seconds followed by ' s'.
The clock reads 4 h 27 min
